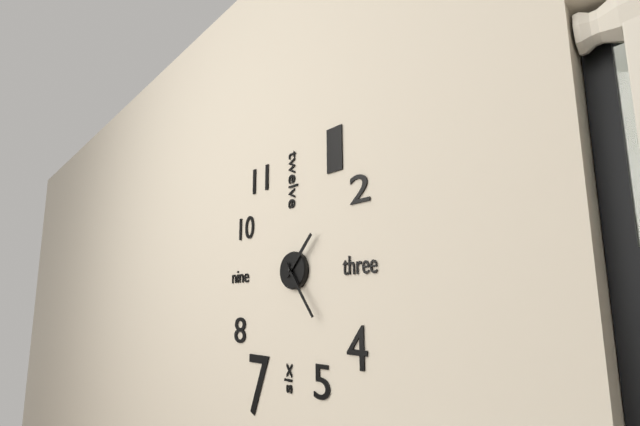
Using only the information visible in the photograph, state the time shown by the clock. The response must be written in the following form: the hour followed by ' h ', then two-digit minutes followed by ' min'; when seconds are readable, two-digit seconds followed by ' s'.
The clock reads 1 h 24 min
